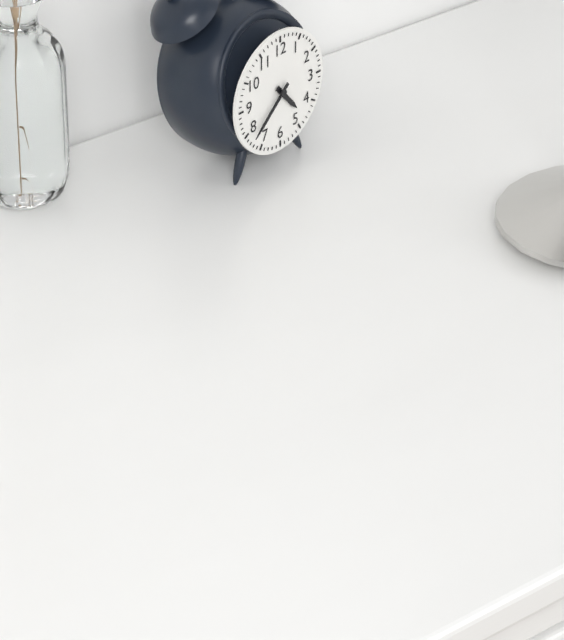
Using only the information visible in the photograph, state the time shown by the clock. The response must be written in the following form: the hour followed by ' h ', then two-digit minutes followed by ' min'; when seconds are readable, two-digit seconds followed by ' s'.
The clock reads 4 h 38 min
